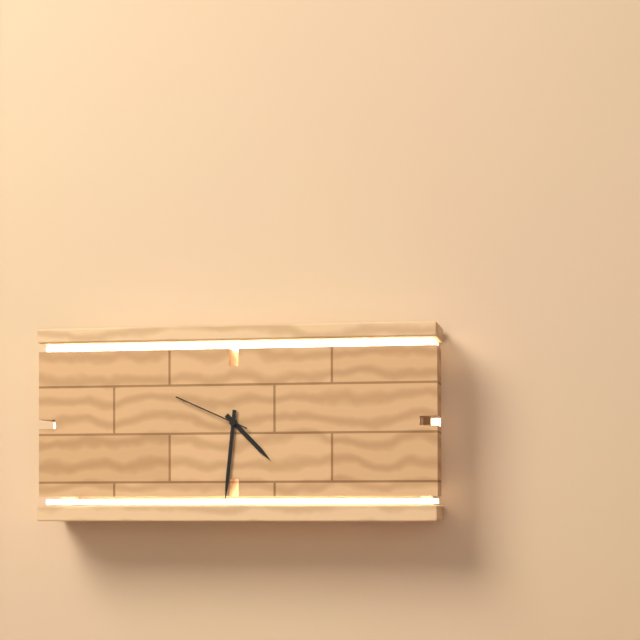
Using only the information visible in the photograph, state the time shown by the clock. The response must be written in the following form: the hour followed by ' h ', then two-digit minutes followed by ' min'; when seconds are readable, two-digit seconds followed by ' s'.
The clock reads 4 h 31 min 49 s
